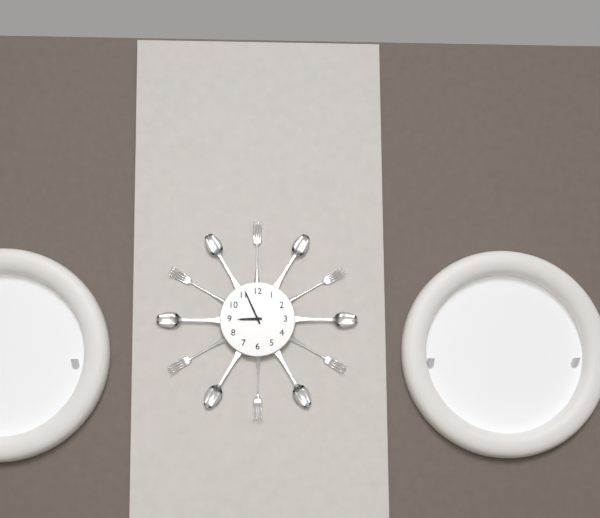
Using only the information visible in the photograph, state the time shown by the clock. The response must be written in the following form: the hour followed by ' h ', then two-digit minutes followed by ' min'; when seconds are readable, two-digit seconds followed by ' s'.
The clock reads 8 h 56 min
